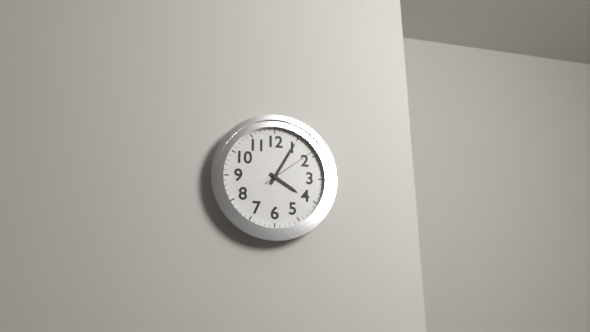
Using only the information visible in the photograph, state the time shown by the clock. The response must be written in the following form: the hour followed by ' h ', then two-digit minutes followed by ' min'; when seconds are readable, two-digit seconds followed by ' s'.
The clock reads 4 h 05 min 09 s
